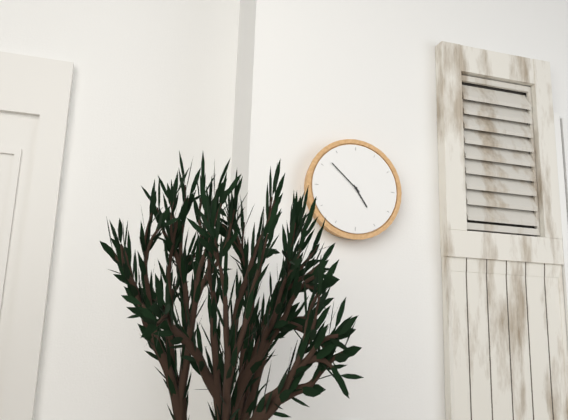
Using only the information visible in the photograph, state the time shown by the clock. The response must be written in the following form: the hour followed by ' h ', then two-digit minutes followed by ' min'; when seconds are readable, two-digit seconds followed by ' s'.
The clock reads 4 h 52 min
